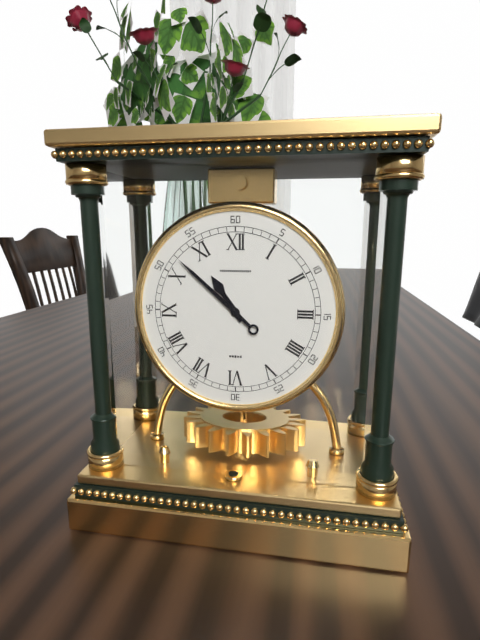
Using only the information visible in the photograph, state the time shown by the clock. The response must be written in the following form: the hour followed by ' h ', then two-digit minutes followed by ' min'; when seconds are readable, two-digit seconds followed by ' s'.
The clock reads 10 h 52 min
